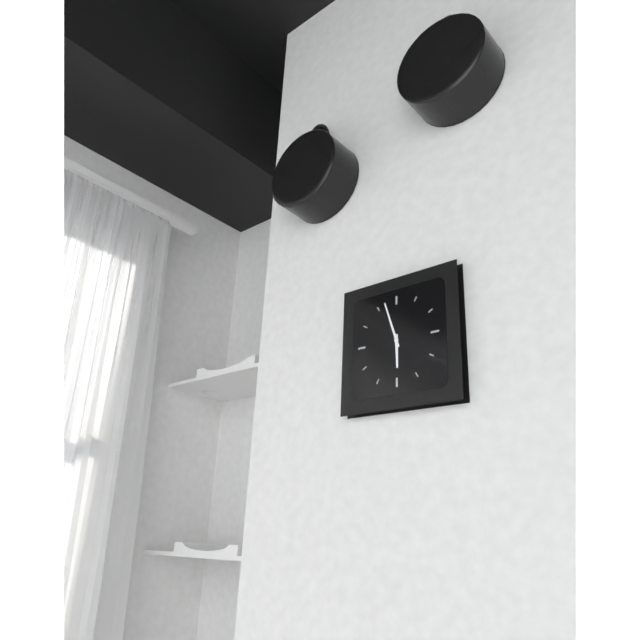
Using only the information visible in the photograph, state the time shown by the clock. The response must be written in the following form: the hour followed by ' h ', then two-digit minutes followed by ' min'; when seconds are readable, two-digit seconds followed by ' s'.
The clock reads 5 h 57 min
